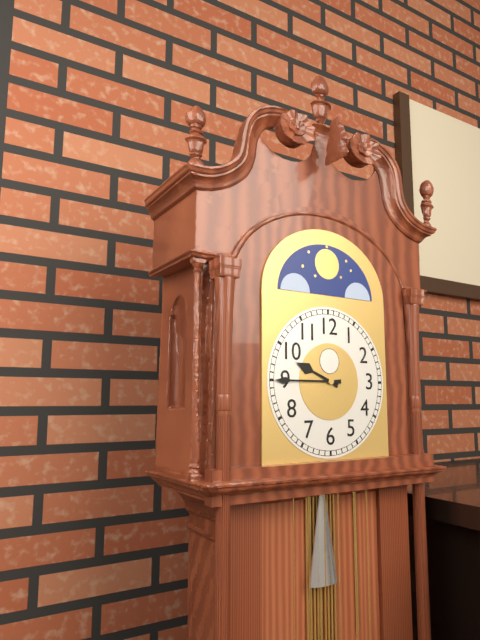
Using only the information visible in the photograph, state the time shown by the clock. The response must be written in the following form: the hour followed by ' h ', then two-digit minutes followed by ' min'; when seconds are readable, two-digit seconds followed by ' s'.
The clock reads 9 h 45 min
